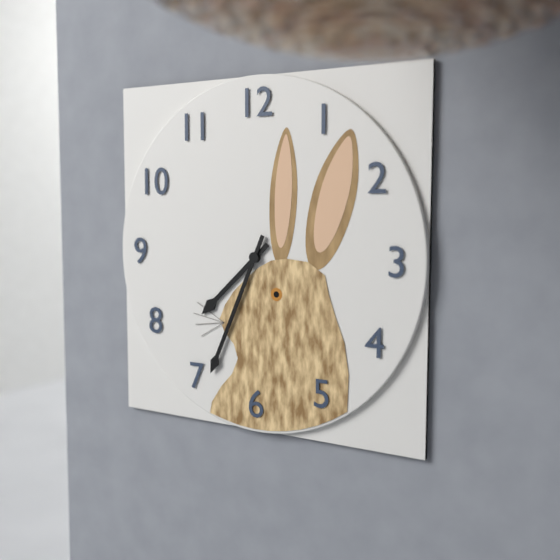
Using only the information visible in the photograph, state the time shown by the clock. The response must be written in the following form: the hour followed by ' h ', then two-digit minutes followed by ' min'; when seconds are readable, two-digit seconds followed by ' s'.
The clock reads 7 h 34 min
